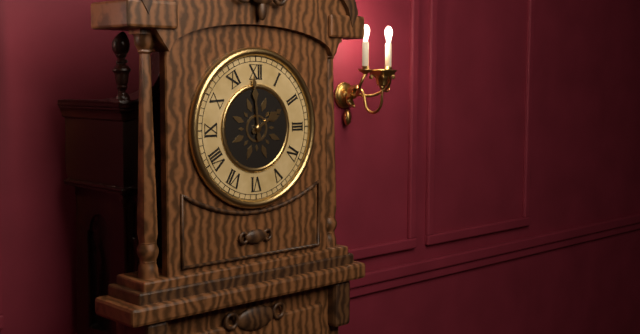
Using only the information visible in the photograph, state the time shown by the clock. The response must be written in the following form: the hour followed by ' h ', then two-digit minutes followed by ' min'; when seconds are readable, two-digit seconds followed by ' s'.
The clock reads 1 h 59 min
